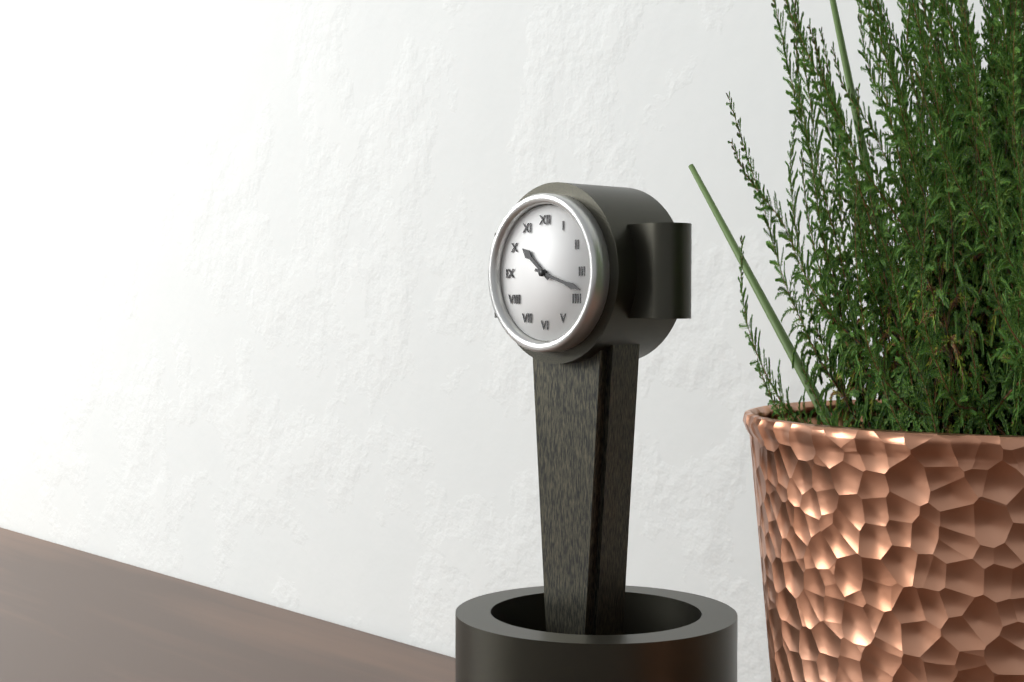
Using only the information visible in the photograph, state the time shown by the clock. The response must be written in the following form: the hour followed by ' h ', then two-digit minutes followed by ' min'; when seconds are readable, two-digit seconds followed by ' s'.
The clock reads 10 h 18 min
